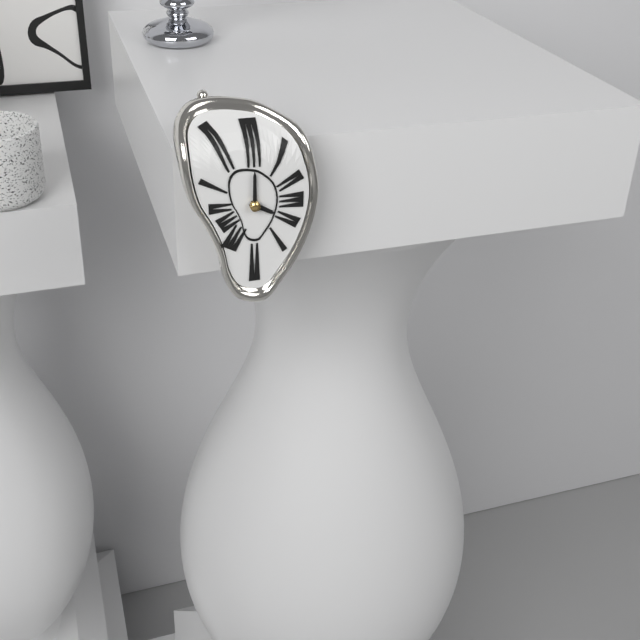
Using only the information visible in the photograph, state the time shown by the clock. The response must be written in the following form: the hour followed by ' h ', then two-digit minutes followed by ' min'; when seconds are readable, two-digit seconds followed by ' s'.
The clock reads 4 h 00 min
